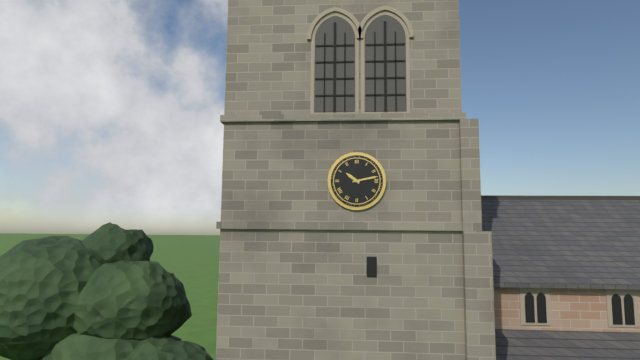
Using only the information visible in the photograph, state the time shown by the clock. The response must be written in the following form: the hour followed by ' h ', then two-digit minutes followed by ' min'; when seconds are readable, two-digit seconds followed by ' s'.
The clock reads 10 h 13 min
